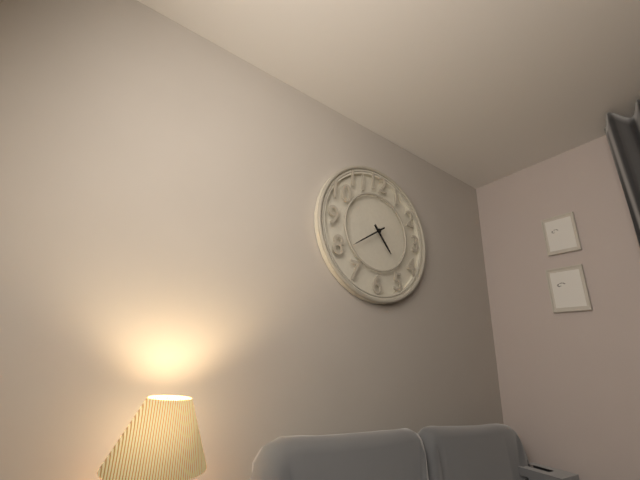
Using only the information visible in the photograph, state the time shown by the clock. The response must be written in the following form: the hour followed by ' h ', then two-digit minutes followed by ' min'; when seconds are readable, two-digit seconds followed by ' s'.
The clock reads 4 h 39 min
